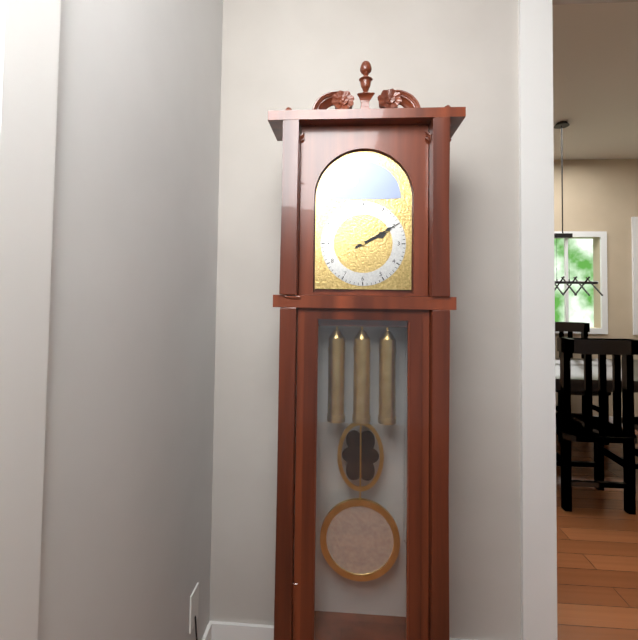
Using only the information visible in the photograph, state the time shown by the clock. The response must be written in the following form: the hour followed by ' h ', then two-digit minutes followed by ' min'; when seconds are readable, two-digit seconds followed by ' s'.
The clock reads 2 h 10 min
